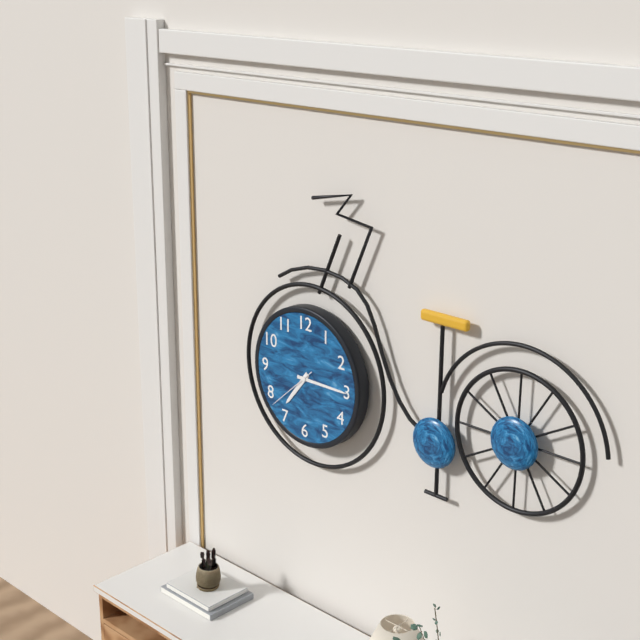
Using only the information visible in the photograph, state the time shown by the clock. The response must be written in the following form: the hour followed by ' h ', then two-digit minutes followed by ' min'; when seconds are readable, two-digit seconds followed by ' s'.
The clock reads 7 h 15 min 38 s
